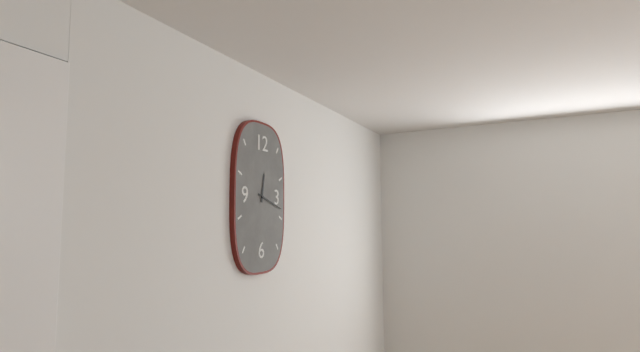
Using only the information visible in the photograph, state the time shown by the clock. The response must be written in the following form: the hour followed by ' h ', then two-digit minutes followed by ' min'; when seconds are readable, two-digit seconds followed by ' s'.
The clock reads 12 h 18 min
